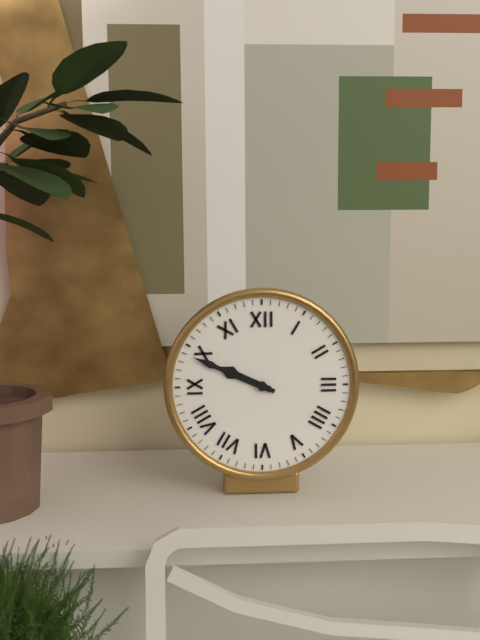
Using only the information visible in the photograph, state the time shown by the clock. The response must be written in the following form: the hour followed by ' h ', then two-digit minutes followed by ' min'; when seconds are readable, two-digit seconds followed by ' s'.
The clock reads 9 h 49 min
